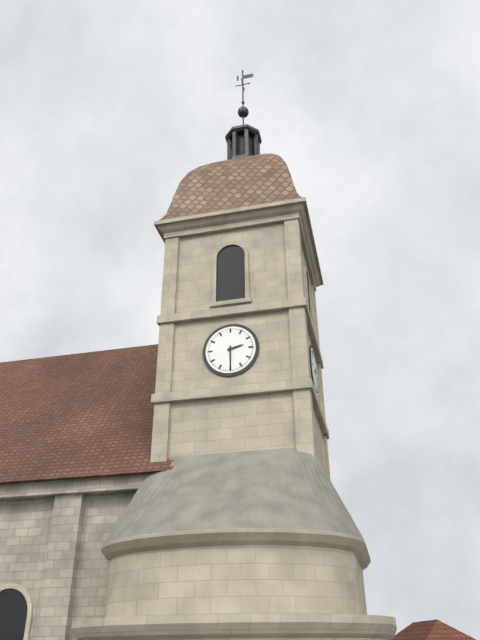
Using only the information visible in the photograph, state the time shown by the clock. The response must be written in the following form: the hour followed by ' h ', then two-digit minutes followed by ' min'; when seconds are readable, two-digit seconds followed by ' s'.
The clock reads 2 h 30 min
